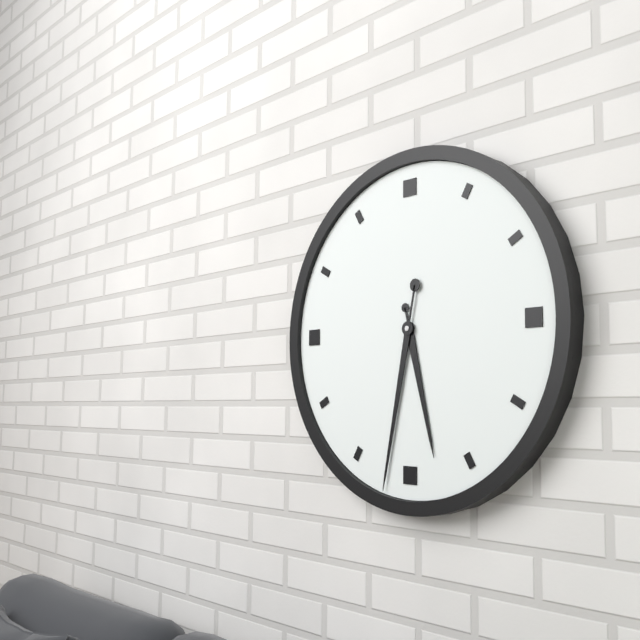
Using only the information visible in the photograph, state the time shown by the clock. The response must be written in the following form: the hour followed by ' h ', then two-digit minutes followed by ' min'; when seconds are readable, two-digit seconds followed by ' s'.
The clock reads 5 h 32 min
